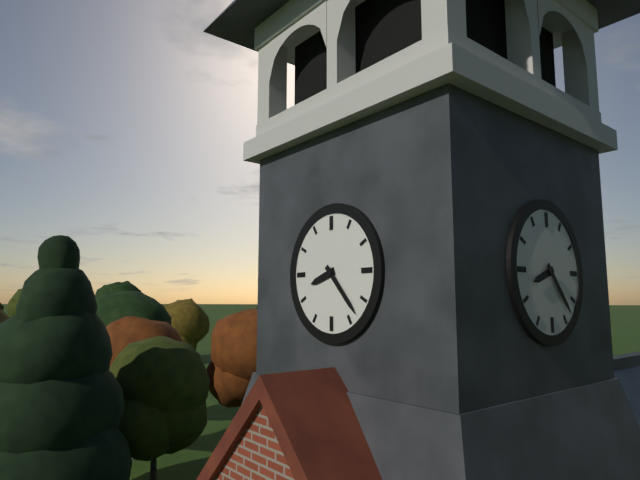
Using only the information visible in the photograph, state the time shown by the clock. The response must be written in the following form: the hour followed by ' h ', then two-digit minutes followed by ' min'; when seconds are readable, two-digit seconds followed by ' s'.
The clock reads 8 h 23 min
